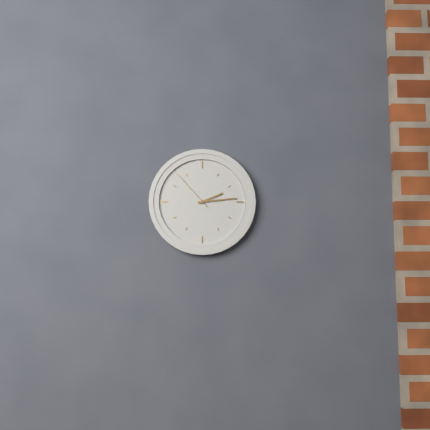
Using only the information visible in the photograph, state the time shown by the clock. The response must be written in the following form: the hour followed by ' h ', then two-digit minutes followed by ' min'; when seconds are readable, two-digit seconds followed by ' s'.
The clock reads 2 h 14 min
